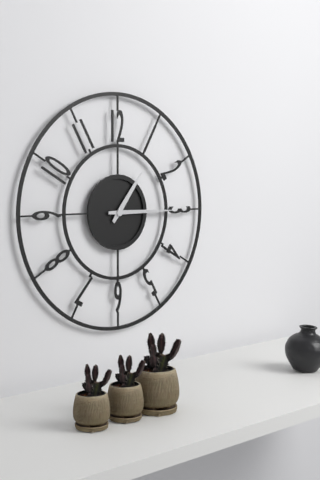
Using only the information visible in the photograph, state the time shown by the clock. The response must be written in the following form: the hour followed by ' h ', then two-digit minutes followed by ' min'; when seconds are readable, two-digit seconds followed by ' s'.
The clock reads 1 h 15 min
